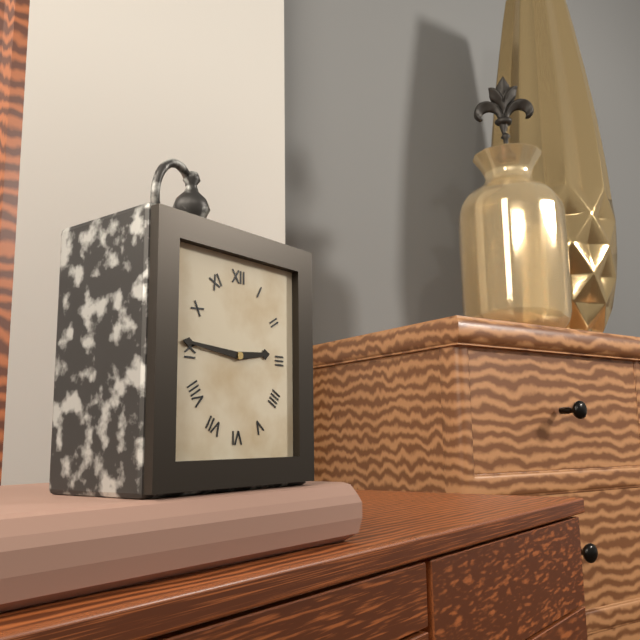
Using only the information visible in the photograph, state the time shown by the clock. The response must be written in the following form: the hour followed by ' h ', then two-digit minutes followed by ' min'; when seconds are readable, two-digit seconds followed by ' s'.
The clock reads 2 h 46 min
